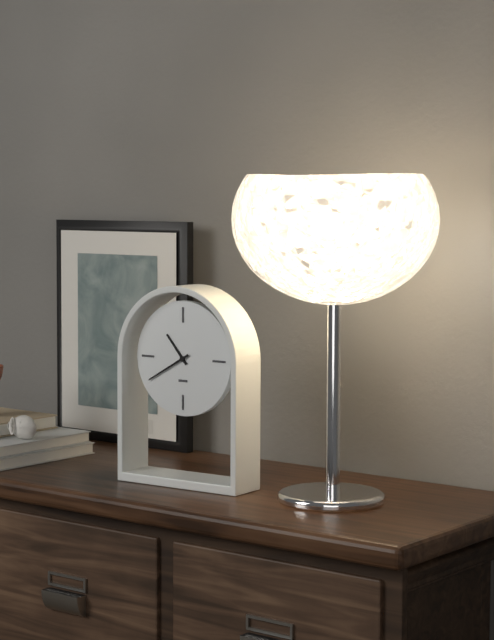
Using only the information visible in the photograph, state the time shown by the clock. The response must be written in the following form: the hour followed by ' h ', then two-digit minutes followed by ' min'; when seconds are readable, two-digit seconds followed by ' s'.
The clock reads 10 h 40 min
